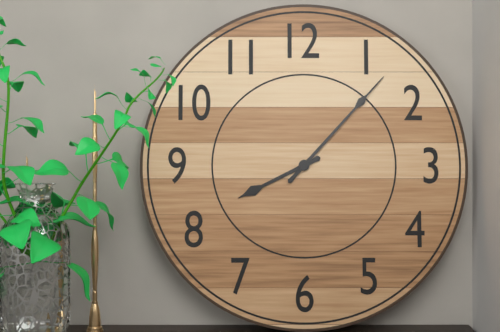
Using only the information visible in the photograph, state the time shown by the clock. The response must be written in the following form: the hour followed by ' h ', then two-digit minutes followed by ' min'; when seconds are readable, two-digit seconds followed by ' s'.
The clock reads 8 h 07 min
